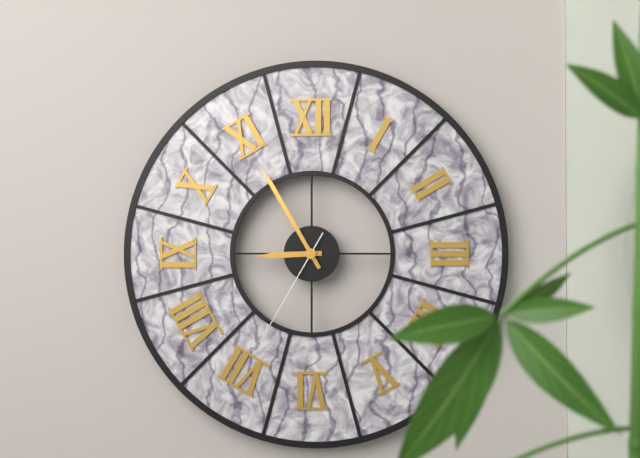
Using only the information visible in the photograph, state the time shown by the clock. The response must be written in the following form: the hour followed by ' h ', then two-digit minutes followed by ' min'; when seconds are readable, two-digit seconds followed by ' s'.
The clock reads 8 h 55 min 35 s
